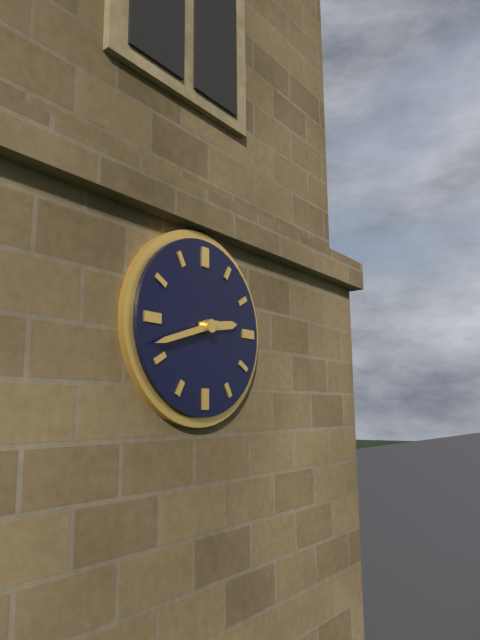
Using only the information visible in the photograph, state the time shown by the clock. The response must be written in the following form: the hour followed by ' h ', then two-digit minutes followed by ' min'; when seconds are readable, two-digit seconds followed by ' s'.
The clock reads 2 h 42 min
